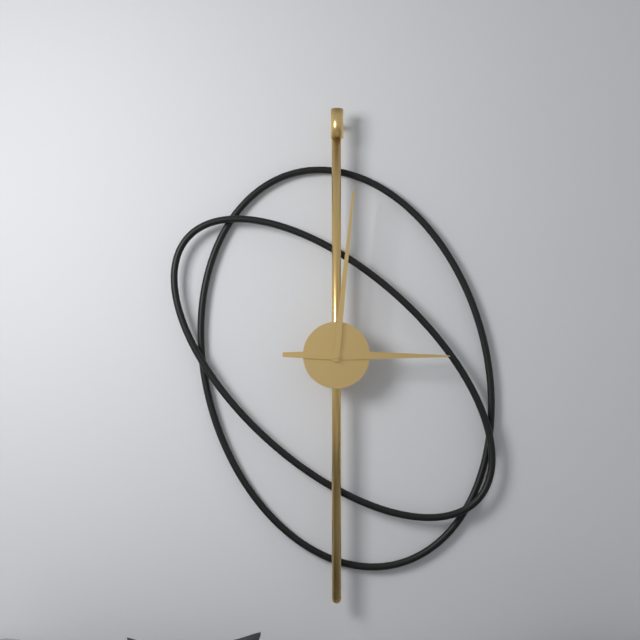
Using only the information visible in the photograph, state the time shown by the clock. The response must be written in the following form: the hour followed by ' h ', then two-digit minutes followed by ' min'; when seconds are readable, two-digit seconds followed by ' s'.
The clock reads 3 h 01 min
